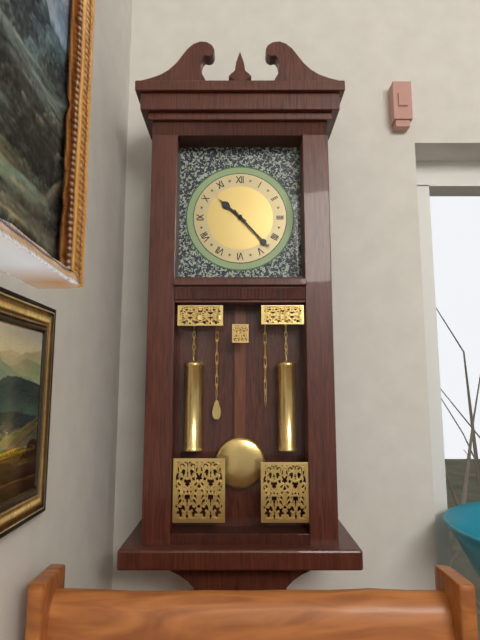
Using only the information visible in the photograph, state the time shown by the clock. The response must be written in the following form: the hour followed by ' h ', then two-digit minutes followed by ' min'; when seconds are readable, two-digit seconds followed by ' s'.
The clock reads 10 h 23 min
